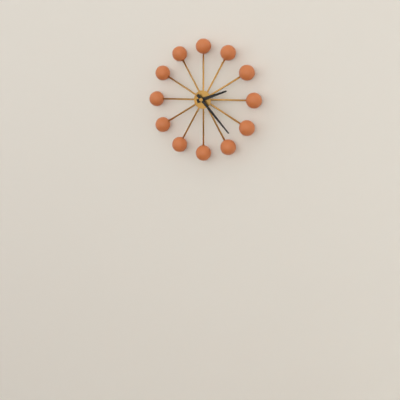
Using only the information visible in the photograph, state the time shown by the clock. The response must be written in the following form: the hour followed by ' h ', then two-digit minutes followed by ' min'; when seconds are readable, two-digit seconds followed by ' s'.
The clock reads 2 h 23 min
